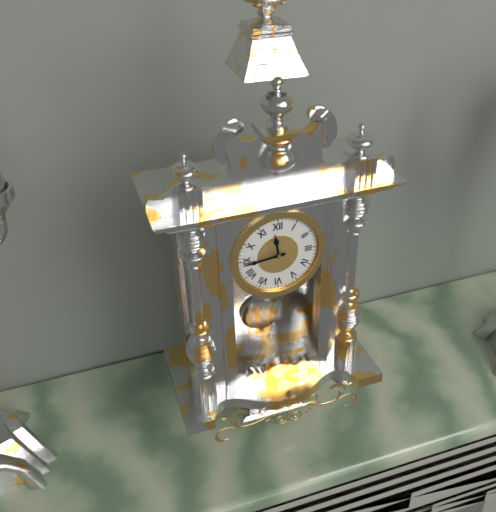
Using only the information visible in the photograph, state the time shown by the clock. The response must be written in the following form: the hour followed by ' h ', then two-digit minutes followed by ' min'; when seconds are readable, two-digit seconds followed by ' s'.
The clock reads 11 h 44 min
